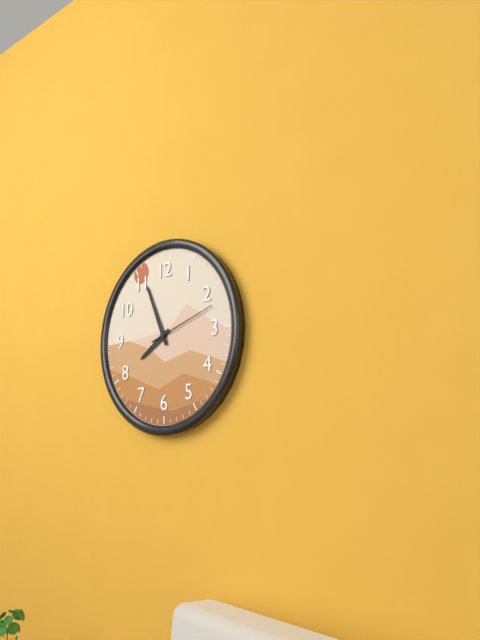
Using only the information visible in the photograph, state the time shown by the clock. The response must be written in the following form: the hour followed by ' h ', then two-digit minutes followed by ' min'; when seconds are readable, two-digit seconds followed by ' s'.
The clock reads 7 h 56 min 12 s
